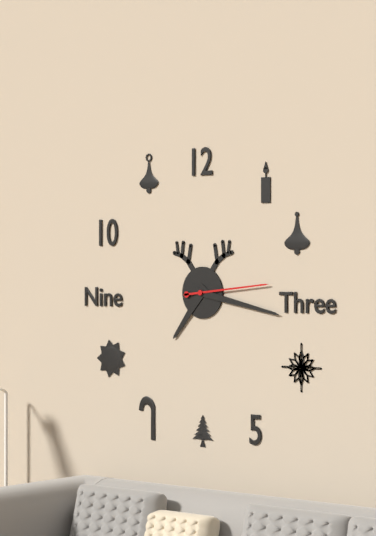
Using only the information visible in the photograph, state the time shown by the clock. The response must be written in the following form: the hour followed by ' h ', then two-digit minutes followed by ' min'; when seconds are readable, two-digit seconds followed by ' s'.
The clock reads 7 h 17 min 14 s
